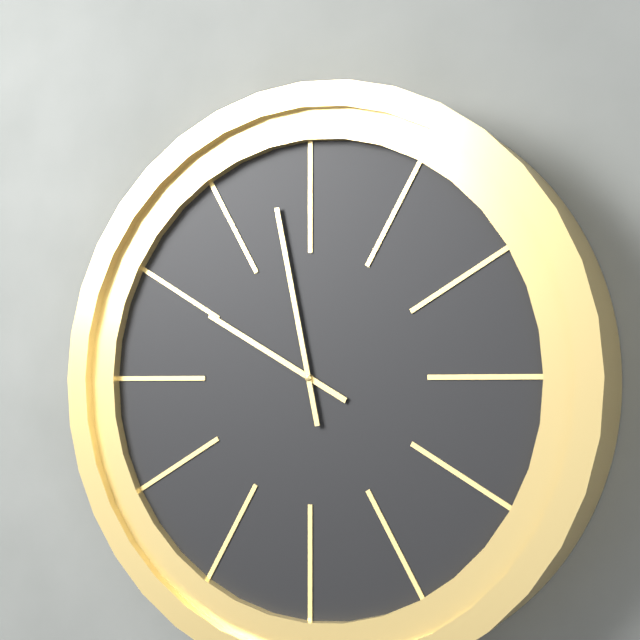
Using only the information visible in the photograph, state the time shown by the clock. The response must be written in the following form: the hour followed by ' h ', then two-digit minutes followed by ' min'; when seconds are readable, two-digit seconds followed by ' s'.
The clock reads 9 h 58 min
